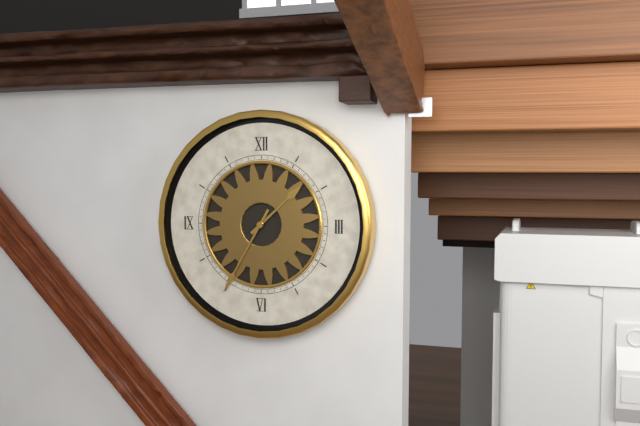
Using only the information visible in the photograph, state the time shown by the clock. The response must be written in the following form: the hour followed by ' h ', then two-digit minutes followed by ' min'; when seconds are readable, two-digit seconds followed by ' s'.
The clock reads 1 h 35 min
